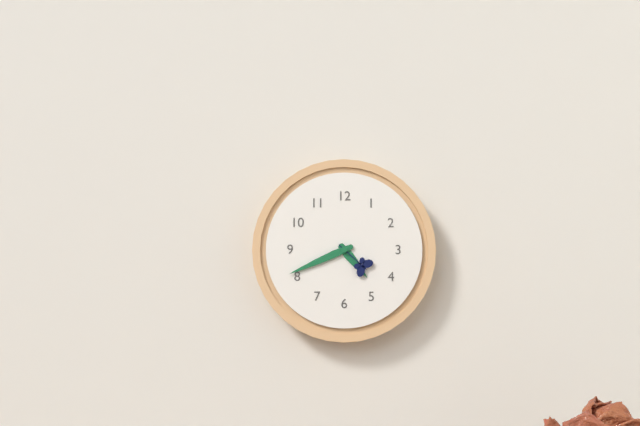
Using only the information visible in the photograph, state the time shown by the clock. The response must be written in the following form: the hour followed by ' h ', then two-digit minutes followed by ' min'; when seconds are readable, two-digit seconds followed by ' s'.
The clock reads 4 h 41 min
